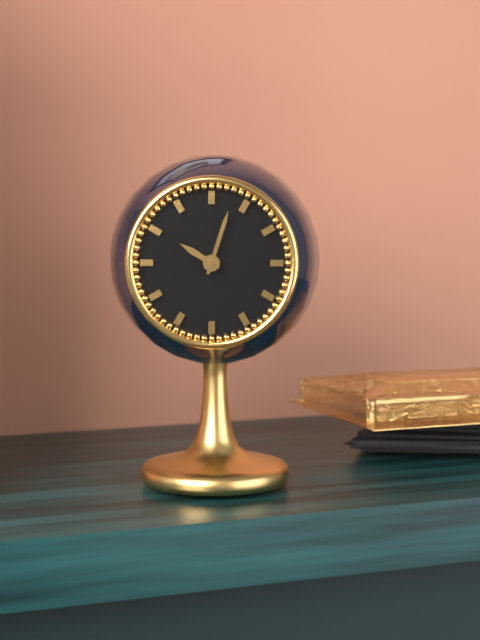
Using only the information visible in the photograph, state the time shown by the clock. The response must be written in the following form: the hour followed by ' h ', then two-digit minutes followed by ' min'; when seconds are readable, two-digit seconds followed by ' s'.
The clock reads 10 h 03 min
